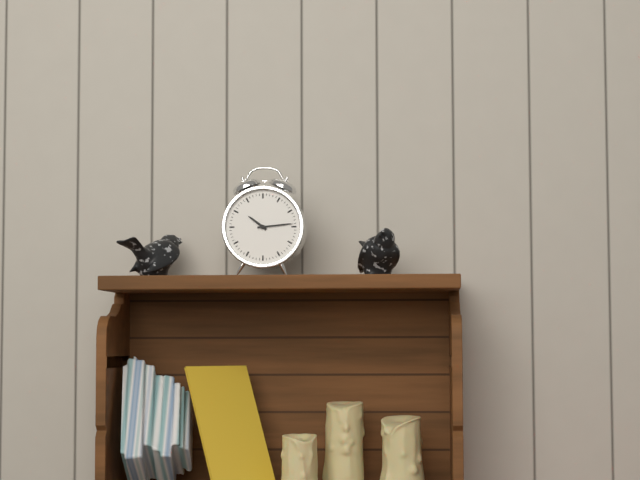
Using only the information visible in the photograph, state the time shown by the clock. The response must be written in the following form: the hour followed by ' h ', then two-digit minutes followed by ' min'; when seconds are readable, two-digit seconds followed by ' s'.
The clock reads 10 h 14 min
